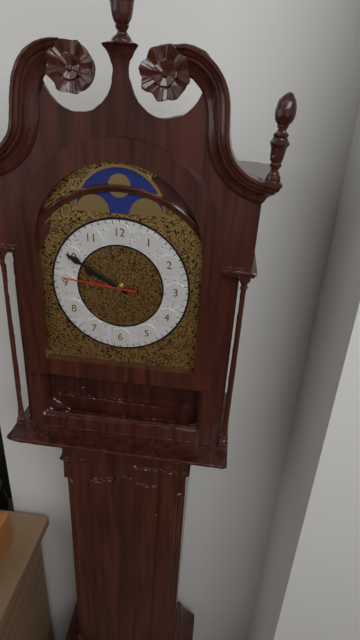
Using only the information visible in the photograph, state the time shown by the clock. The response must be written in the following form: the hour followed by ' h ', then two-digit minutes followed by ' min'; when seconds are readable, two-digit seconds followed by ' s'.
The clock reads 9 h 50 min 46 s
